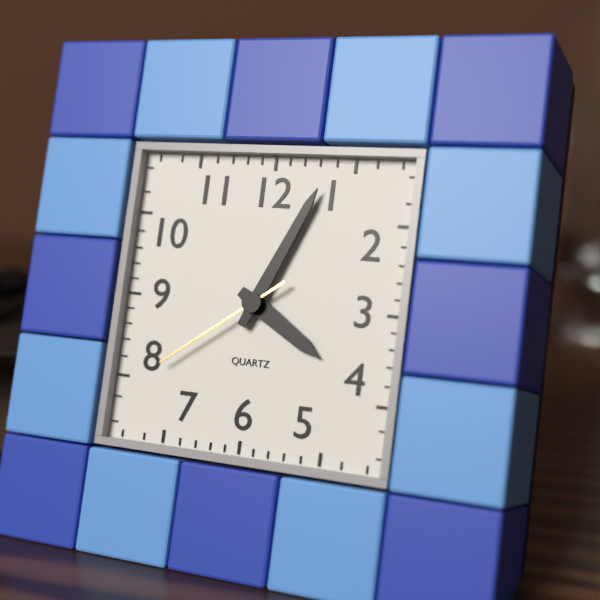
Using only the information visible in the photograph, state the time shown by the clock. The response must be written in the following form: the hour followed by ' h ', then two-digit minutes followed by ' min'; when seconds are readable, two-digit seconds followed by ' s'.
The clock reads 4 h 04 min 39 s
